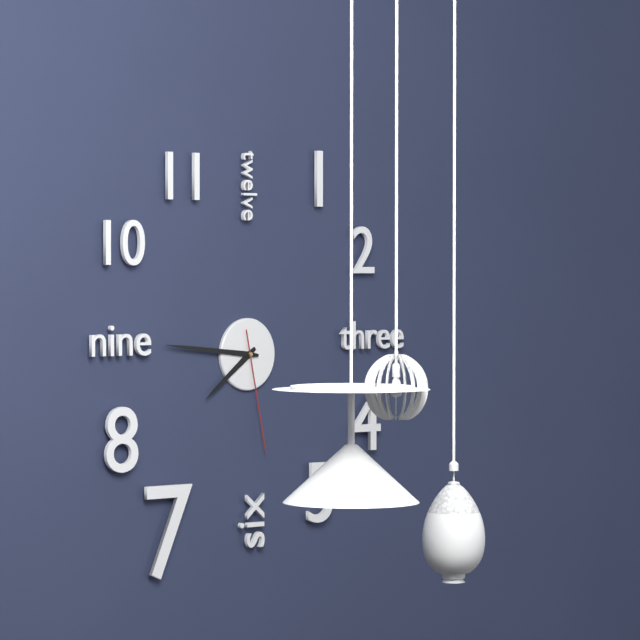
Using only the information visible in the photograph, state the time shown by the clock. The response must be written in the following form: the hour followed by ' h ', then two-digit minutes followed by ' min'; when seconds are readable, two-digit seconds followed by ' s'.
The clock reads 7 h 46 min 28 s
